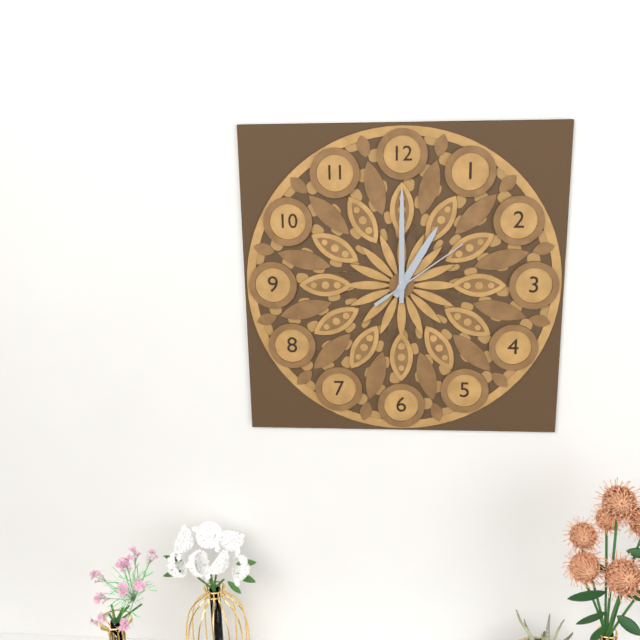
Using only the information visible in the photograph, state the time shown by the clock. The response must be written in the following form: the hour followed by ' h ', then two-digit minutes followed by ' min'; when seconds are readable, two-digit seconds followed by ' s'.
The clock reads 1 h 00 min 09 s
